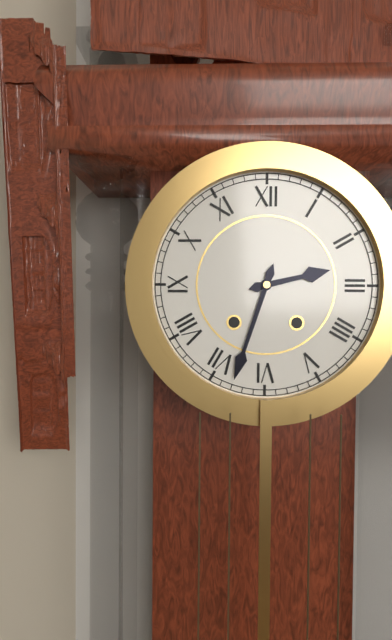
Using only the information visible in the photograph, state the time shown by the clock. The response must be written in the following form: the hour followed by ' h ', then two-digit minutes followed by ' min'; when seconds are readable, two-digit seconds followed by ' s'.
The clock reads 2 h 33 min
